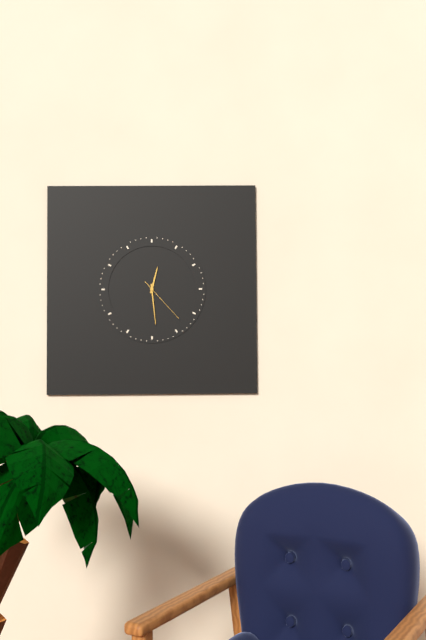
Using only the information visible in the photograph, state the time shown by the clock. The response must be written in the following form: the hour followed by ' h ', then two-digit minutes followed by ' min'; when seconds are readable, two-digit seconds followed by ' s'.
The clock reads 12 h 29 min
